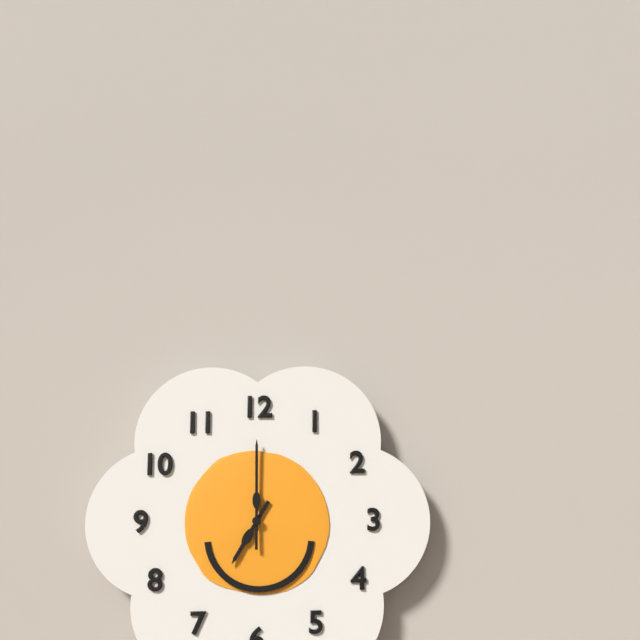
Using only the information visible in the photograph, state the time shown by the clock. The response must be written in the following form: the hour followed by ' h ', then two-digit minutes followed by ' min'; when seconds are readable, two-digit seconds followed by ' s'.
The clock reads 7 h 00 min
